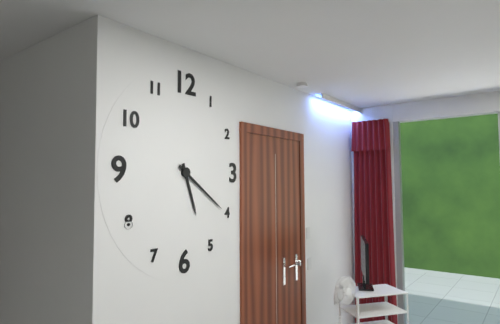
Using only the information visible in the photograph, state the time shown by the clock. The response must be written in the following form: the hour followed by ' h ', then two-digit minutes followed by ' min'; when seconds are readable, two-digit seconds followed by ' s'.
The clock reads 5 h 21 min
